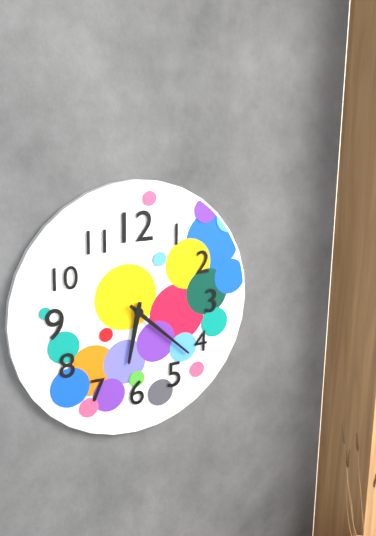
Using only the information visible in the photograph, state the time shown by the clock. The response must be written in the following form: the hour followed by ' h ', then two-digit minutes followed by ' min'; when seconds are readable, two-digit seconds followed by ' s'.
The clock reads 6 h 22 min
